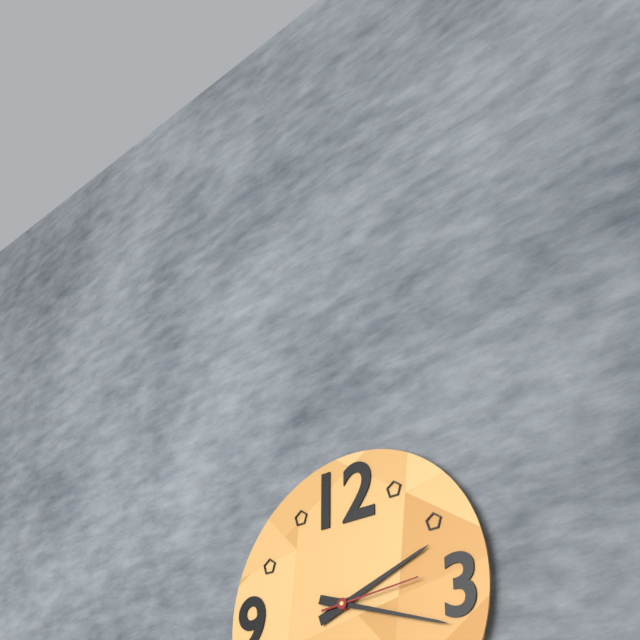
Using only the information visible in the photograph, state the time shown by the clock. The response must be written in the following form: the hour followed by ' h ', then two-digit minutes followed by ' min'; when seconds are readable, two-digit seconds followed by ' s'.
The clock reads 2 h 18 min 14 s
